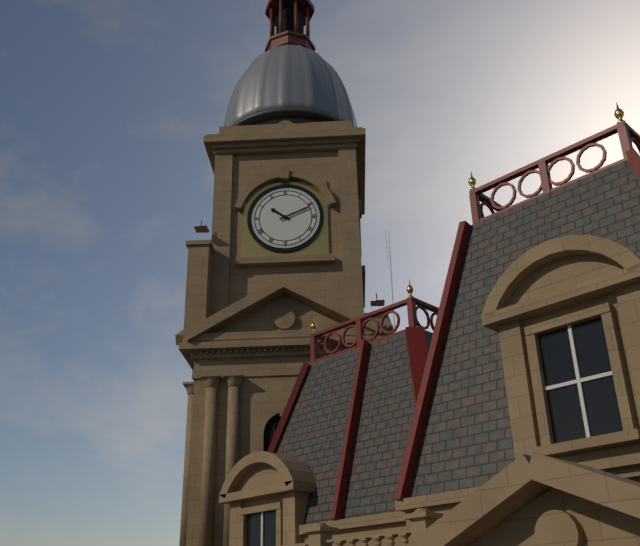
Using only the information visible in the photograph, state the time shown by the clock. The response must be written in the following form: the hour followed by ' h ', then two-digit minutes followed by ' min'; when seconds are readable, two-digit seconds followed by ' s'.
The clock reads 10 h 11 min
